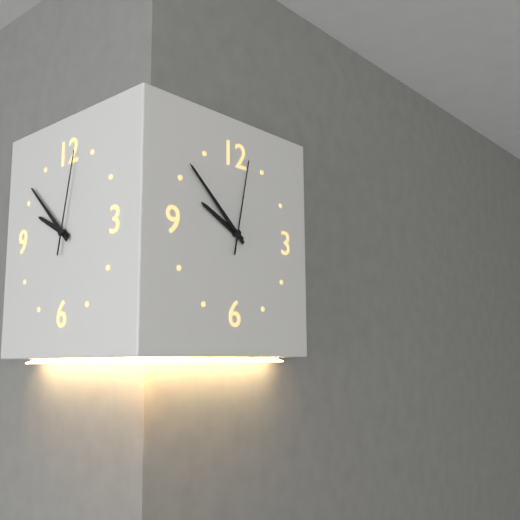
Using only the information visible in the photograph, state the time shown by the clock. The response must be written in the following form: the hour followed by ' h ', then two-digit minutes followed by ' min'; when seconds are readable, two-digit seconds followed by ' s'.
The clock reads 9 h 52 min 02 s
